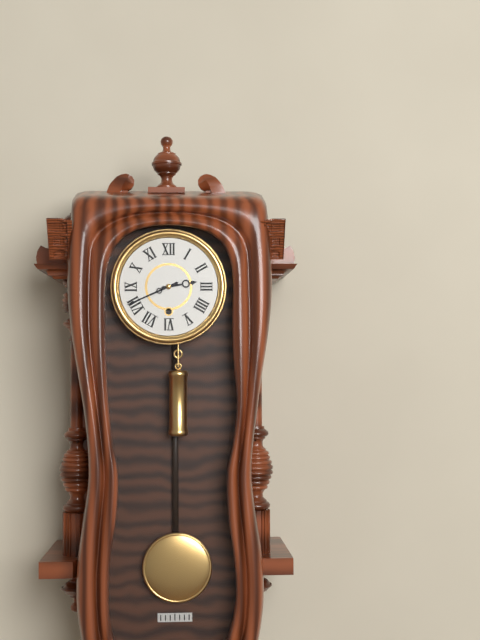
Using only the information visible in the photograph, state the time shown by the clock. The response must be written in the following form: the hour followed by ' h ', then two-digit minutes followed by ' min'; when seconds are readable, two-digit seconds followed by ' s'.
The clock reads 2 h 41 min
